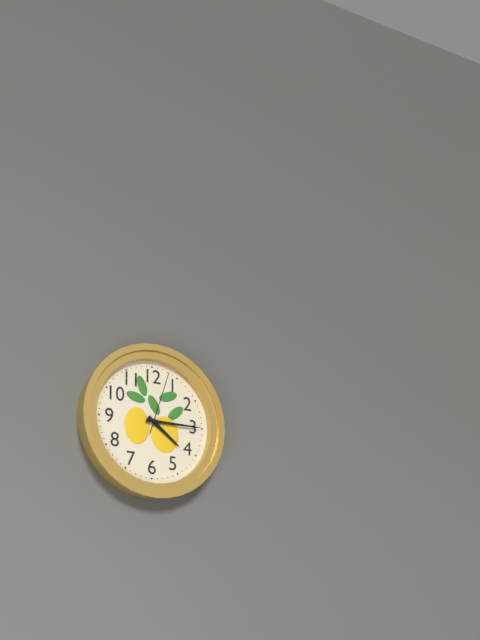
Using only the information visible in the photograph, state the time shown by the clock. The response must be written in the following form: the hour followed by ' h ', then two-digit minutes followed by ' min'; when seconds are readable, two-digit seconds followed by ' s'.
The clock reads 4 h 15 min 03 s
